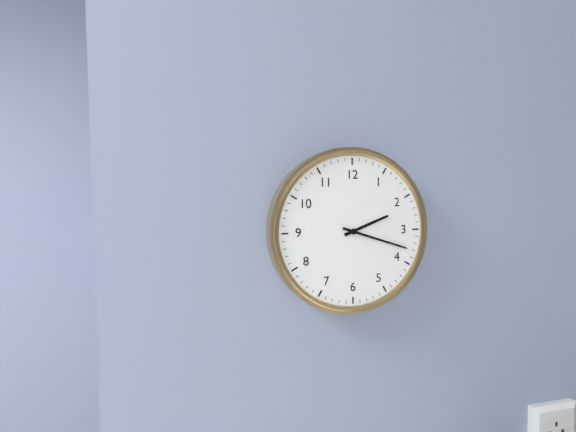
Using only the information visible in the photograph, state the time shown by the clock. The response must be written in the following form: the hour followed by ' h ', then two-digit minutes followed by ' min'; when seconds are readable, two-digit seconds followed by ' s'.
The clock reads 2 h 18 min
